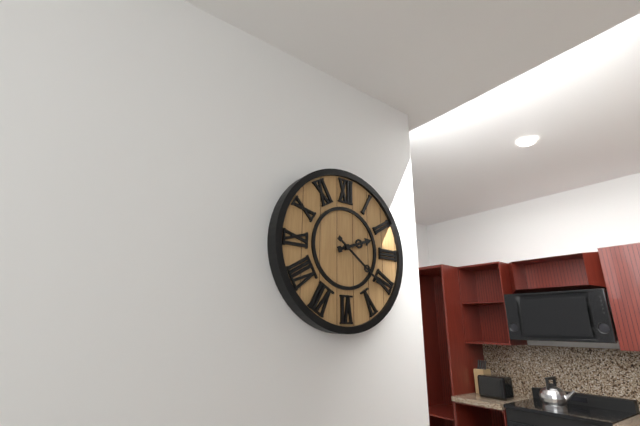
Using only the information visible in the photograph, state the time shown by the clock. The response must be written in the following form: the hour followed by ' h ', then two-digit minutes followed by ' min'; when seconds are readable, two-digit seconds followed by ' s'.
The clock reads 2 h 21 min
